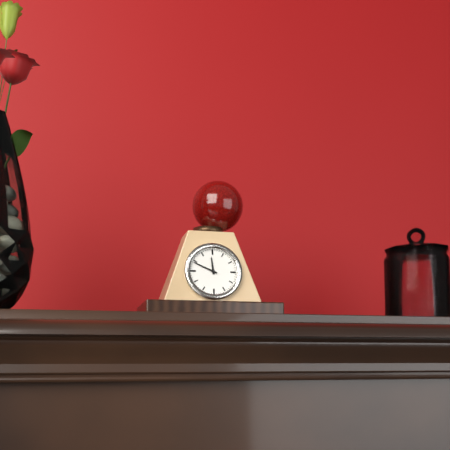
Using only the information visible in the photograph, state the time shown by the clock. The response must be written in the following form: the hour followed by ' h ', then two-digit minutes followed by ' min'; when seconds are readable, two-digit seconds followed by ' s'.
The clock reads 11 h 49 min
